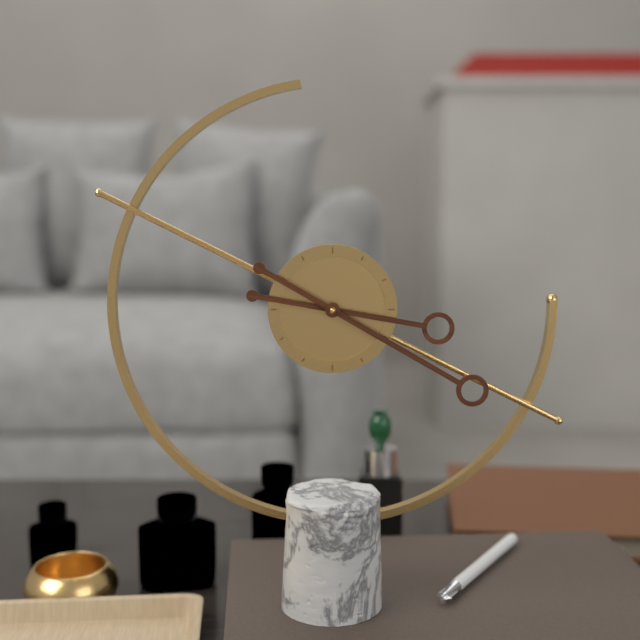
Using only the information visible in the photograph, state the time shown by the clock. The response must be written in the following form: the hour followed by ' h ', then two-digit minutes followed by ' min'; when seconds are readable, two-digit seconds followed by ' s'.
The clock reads 3 h 20 min
